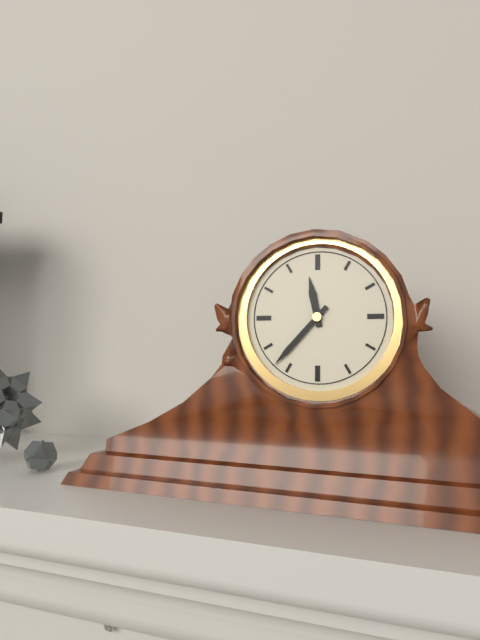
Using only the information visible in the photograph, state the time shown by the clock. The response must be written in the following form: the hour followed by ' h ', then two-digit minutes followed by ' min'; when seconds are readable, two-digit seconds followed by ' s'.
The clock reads 11 h 37 min
